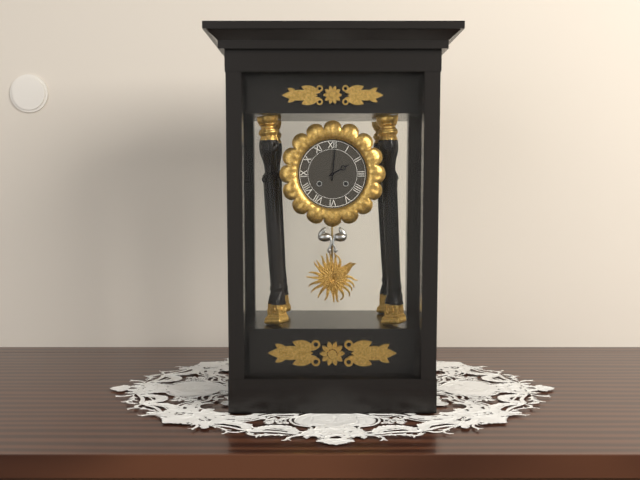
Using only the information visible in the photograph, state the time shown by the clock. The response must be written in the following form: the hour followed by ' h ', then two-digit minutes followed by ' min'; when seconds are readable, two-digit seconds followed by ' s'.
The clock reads 2 h 01 min
